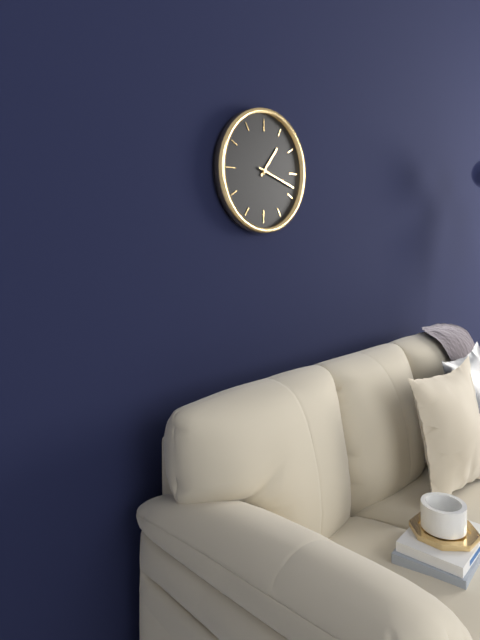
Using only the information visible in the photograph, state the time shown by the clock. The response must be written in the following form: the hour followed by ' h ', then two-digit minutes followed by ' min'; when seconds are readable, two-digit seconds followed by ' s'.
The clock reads 1 h 18 min
